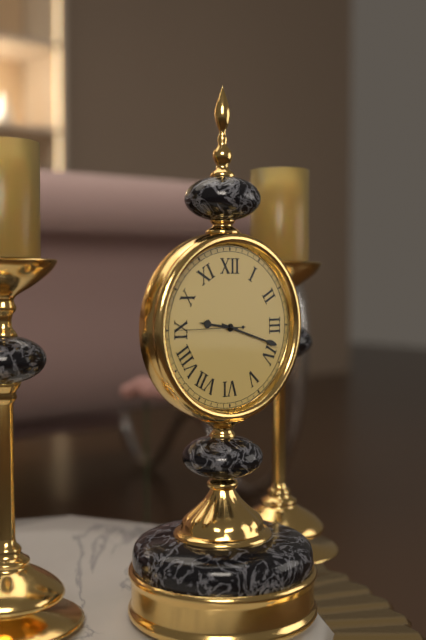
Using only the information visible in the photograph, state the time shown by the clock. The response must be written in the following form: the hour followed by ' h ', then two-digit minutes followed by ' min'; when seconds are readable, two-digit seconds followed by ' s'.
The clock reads 9 h 18 min 45 s
